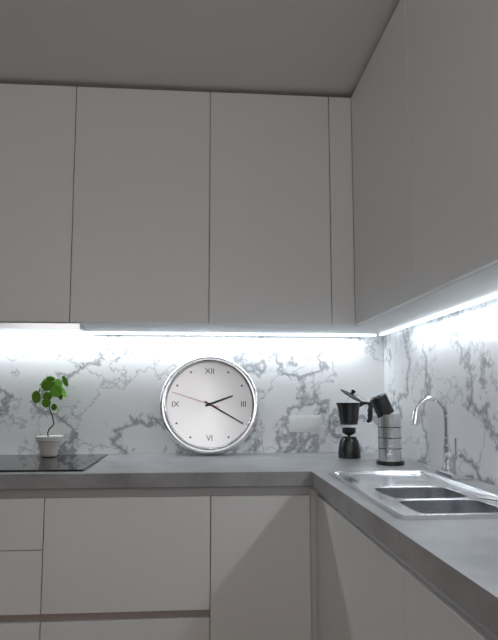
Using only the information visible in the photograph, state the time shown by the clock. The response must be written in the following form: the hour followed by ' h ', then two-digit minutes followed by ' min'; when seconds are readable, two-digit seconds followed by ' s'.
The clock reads 2 h 20 min
